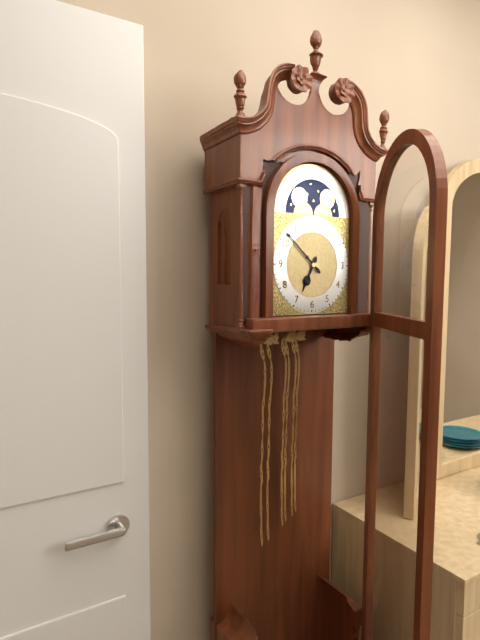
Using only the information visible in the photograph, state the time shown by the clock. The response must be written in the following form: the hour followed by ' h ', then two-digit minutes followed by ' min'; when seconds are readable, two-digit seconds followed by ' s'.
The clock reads 6 h 52 min
